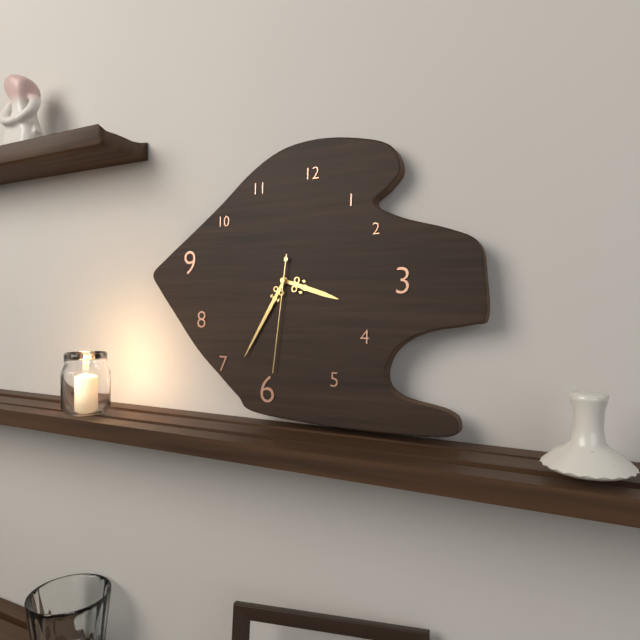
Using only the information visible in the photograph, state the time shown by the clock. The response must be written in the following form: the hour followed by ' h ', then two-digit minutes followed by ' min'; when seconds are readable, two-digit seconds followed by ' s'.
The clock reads 3 h 35 min 31 s
